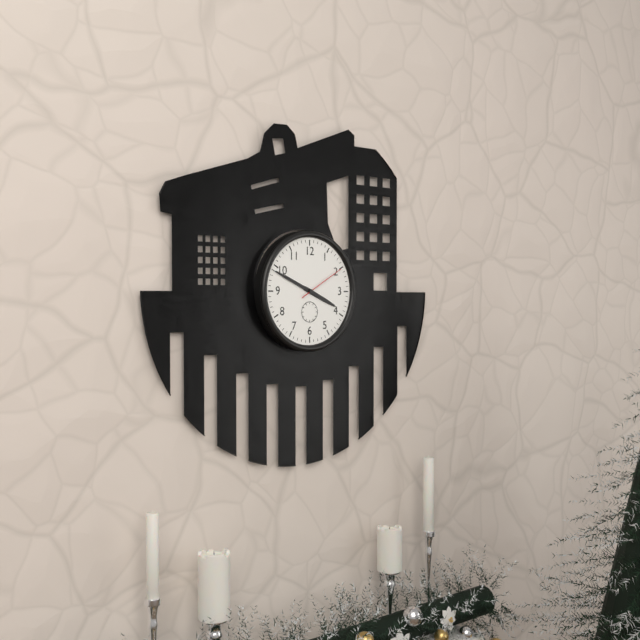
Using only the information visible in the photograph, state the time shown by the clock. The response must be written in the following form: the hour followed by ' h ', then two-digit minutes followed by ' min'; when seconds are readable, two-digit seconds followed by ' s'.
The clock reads 3 h 49 min
